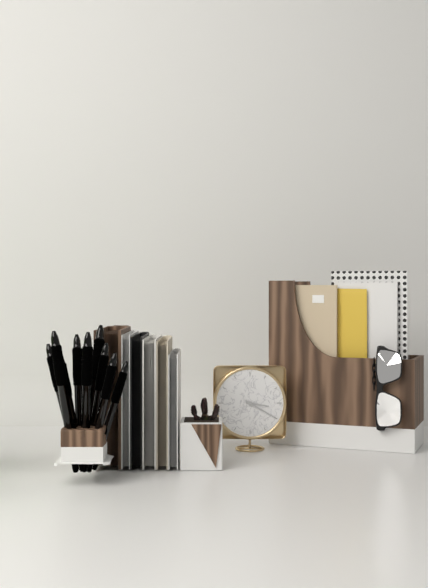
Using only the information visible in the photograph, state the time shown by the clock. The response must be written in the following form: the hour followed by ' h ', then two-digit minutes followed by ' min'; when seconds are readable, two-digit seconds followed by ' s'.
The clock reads 3 h 20 min
